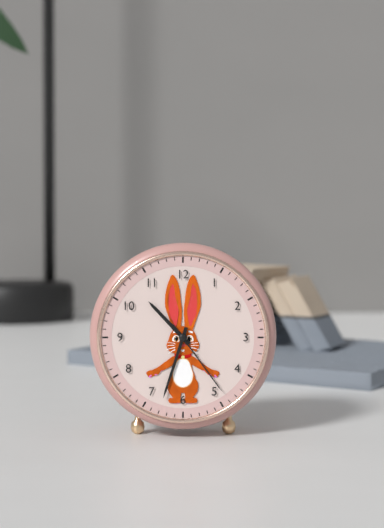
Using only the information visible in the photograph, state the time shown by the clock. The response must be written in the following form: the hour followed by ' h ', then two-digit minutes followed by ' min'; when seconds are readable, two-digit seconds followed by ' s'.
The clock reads 10 h 33 min 24 s
